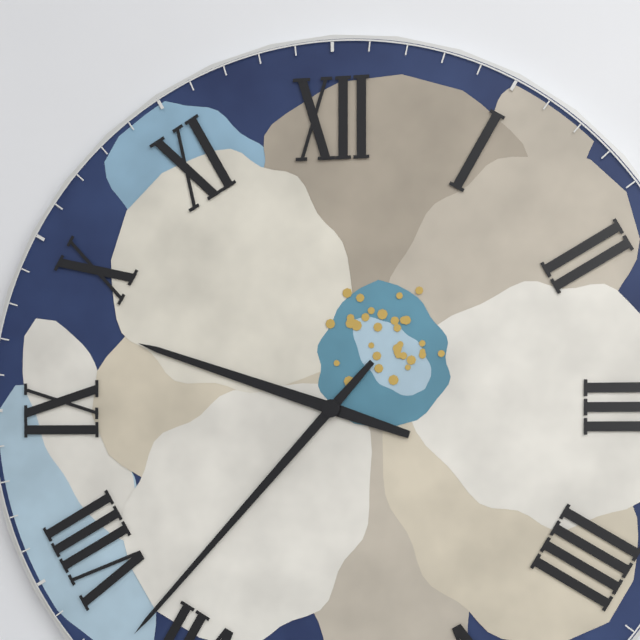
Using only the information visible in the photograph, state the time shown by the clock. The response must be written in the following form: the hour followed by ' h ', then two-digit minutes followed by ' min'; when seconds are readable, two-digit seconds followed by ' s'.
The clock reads 9 h 37 min
